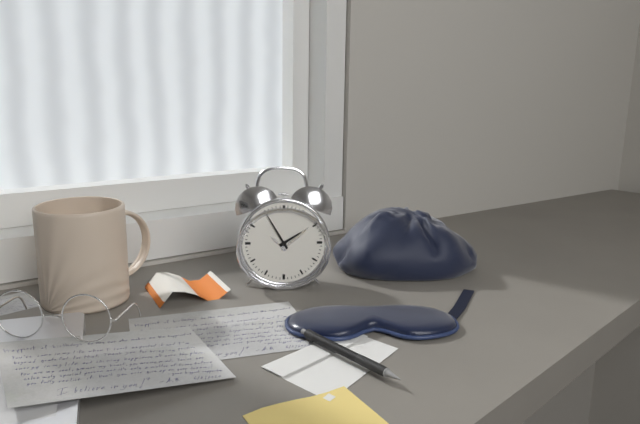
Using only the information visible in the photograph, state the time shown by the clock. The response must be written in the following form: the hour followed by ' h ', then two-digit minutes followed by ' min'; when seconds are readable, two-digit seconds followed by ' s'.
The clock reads 1 h 55 min
